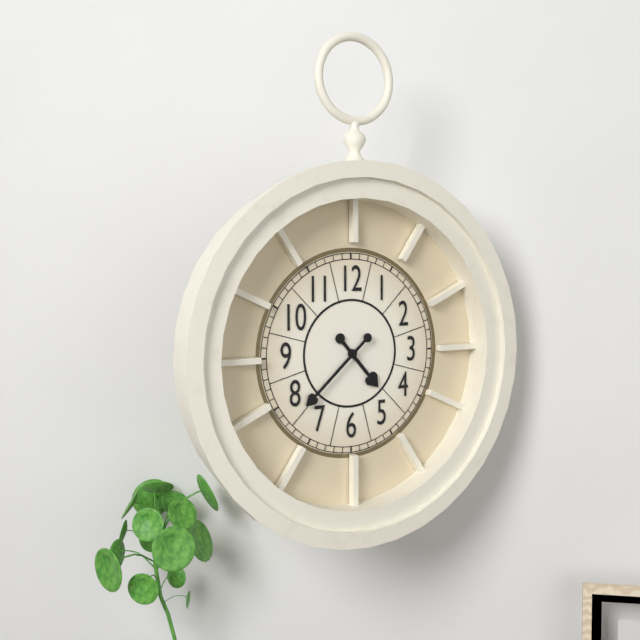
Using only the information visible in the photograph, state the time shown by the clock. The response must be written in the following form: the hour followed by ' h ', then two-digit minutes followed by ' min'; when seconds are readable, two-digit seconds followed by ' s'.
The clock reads 4 h 38 min
